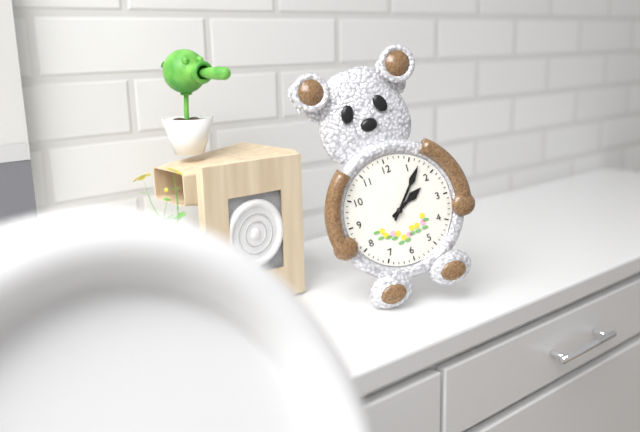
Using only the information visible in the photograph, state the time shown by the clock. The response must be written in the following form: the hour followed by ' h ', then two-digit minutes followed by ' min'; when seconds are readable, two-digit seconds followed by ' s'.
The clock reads 2 h 07 min
